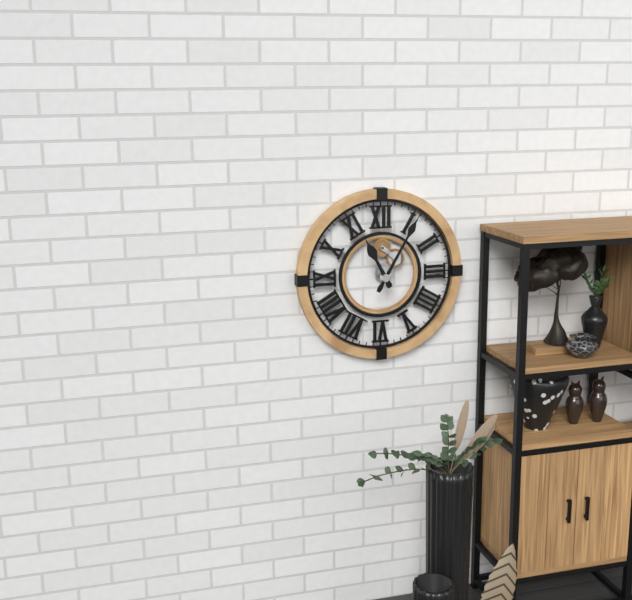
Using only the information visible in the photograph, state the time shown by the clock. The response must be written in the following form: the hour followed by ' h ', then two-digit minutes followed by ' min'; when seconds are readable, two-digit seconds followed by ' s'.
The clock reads 11 h 05 min
